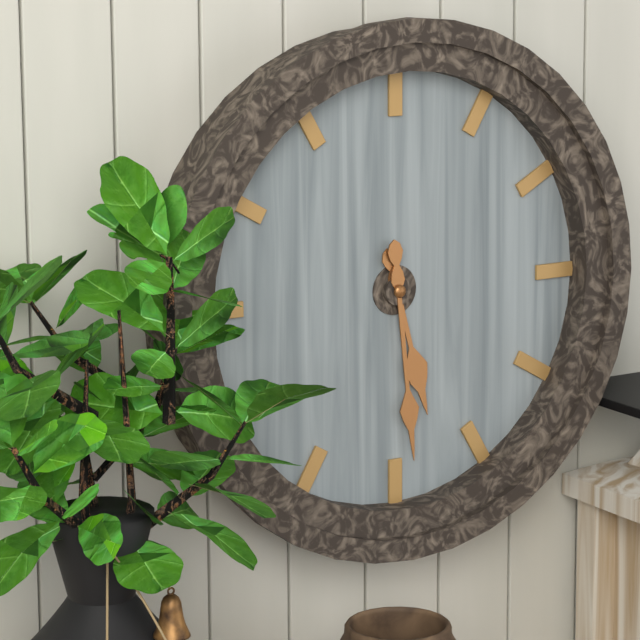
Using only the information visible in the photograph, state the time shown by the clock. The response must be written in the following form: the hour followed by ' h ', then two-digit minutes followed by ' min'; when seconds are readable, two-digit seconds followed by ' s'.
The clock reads 5 h 29 min
